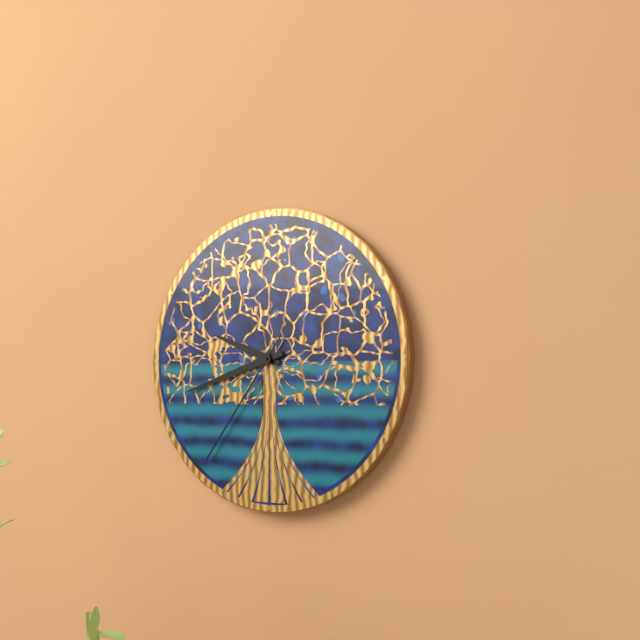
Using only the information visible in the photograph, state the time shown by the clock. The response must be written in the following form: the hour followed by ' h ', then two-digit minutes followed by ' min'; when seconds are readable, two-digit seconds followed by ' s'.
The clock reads 9 h 42 min 36 s
